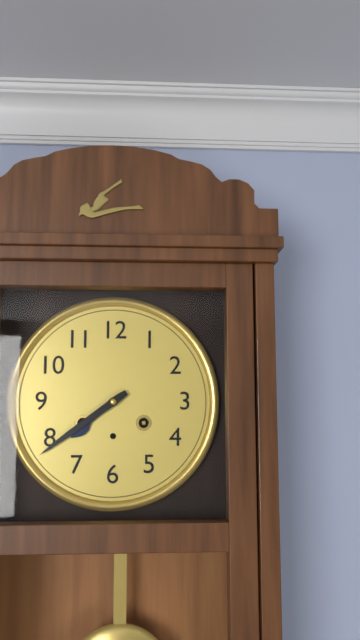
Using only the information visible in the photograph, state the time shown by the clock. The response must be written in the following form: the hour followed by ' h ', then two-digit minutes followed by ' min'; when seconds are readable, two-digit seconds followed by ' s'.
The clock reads 7 h 39 min
